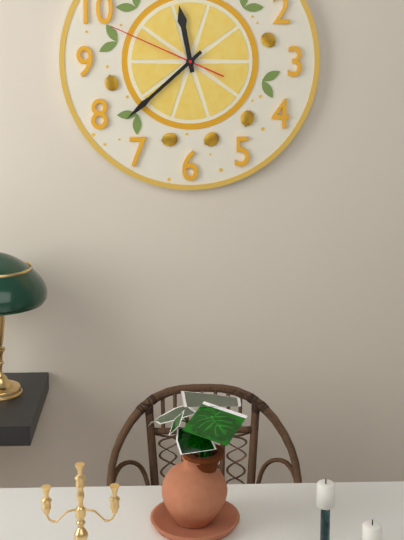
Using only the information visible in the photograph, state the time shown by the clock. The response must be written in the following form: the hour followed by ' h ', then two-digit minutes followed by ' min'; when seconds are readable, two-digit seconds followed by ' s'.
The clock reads 11 h 38 min 49 s
